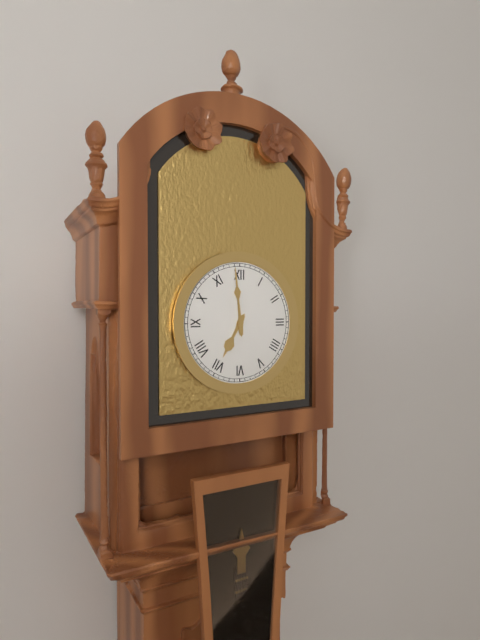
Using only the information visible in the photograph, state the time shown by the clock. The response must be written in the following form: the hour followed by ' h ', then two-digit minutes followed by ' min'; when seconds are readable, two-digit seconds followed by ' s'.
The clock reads 6 h 59 min
